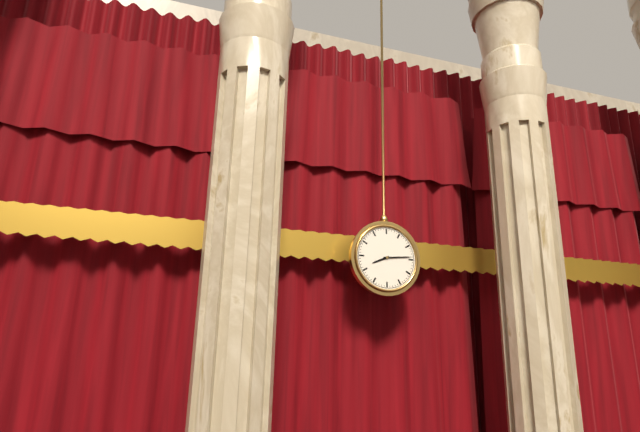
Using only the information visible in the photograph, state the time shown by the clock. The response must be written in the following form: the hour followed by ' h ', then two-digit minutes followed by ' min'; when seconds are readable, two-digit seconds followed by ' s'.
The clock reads 8 h 14 min
